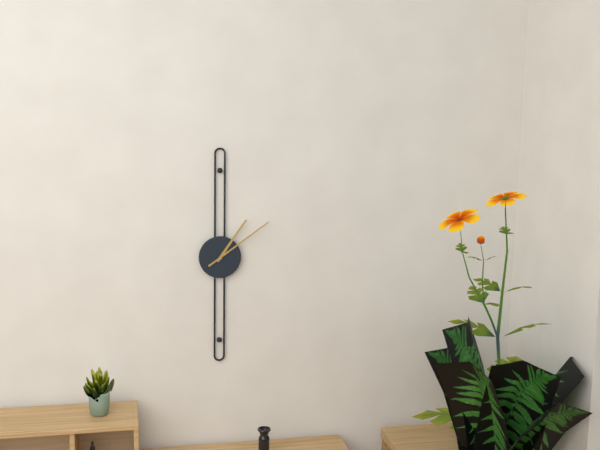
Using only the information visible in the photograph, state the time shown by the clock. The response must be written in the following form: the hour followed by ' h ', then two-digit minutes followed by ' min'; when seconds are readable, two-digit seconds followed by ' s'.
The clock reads 1 h 09 min
